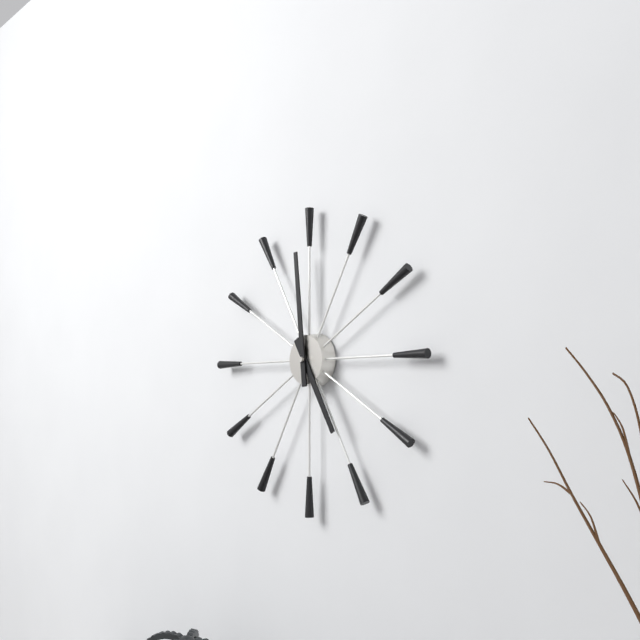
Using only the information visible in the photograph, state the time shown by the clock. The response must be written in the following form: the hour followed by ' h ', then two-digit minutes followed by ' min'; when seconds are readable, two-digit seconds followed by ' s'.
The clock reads 4 h 59 min
